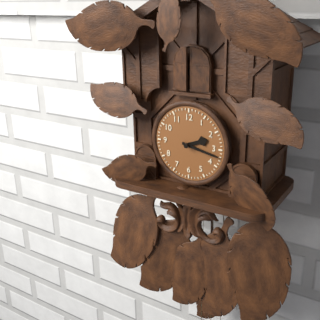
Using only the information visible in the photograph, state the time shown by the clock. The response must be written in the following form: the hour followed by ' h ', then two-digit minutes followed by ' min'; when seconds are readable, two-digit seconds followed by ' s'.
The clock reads 2 h 17 min
